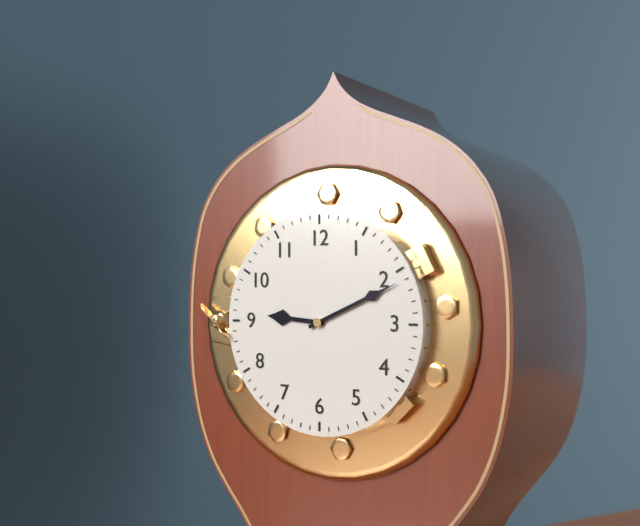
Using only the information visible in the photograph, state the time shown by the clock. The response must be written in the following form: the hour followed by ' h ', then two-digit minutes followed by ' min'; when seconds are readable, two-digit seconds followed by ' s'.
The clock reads 9 h 11 min
